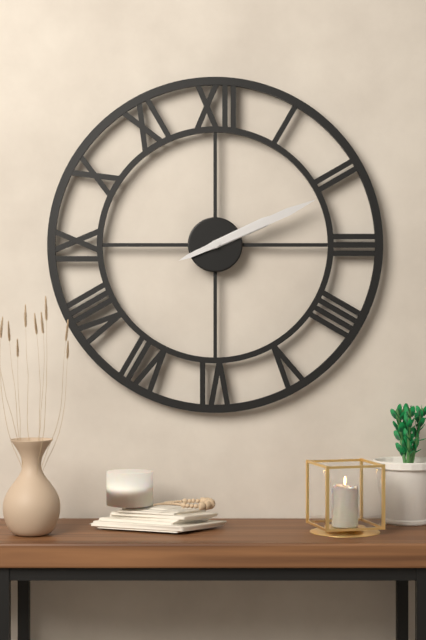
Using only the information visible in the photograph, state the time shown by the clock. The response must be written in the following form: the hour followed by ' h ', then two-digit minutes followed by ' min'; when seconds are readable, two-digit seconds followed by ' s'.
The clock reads 2 h 11 min
